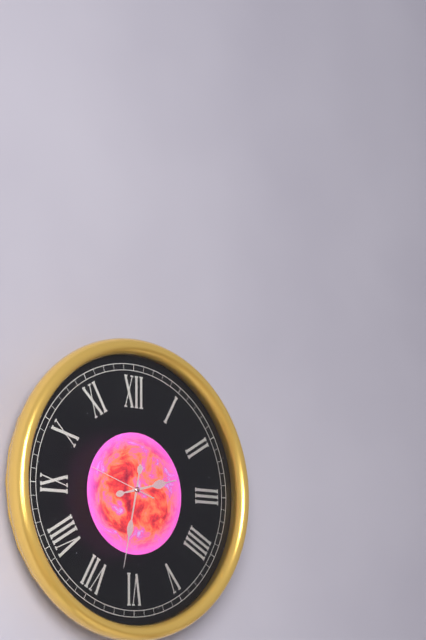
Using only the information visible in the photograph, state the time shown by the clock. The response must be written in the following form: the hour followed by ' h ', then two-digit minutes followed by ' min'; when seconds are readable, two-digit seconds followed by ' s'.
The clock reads 2 h 32 min 48 s
